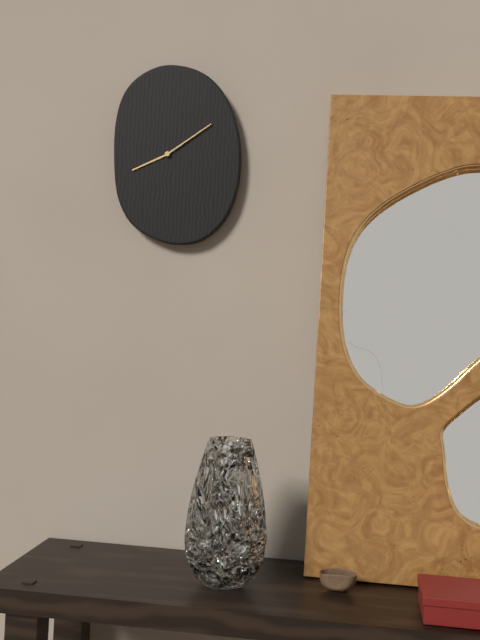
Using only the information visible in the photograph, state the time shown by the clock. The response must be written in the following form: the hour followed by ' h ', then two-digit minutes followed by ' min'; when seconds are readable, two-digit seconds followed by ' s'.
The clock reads 8 h 09 min
